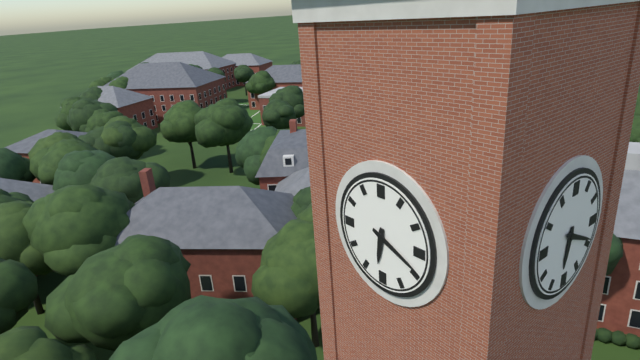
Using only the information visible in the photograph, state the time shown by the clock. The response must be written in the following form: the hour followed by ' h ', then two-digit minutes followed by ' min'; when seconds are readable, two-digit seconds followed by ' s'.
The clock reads 6 h 19 min
